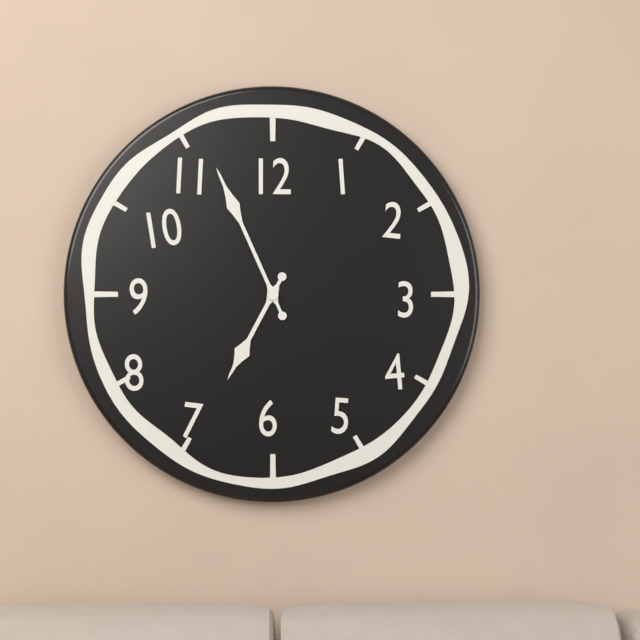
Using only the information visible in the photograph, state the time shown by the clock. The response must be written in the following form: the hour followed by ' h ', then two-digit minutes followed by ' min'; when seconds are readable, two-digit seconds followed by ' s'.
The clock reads 6 h 56 min
